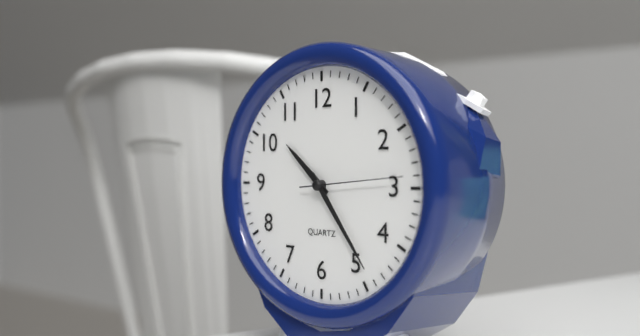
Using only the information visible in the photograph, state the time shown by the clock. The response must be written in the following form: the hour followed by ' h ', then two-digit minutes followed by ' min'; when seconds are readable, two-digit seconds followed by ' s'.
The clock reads 10 h 24 min 14 s
